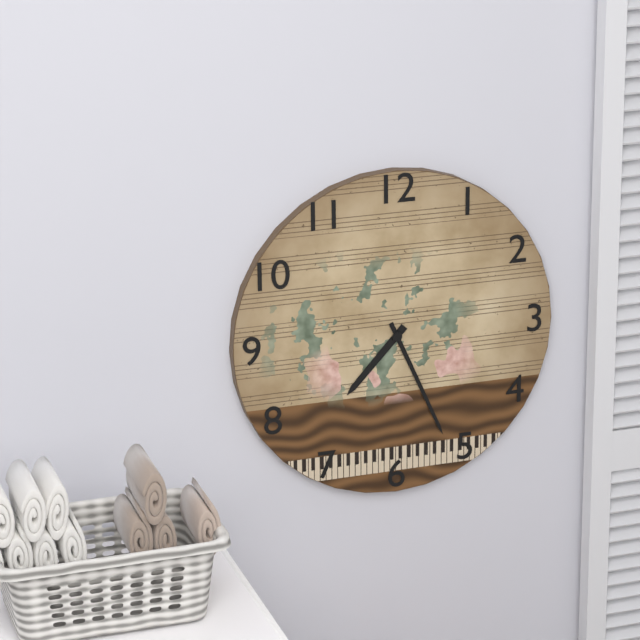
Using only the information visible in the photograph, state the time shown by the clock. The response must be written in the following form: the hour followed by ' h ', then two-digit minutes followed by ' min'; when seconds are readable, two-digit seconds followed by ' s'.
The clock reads 7 h 26 min
